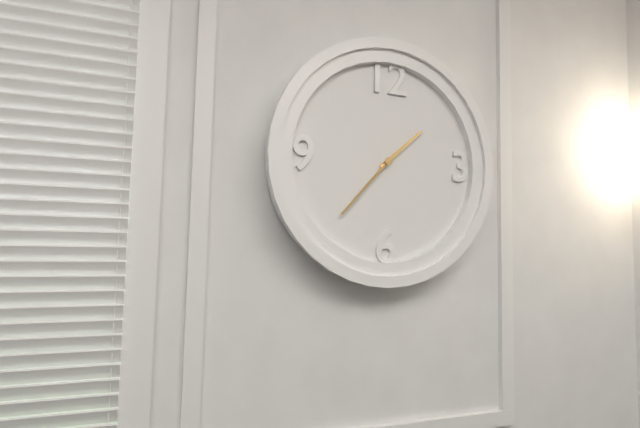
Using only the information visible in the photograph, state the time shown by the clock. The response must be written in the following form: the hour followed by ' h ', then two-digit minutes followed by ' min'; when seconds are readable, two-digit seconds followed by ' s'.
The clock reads 1 h 37 min
